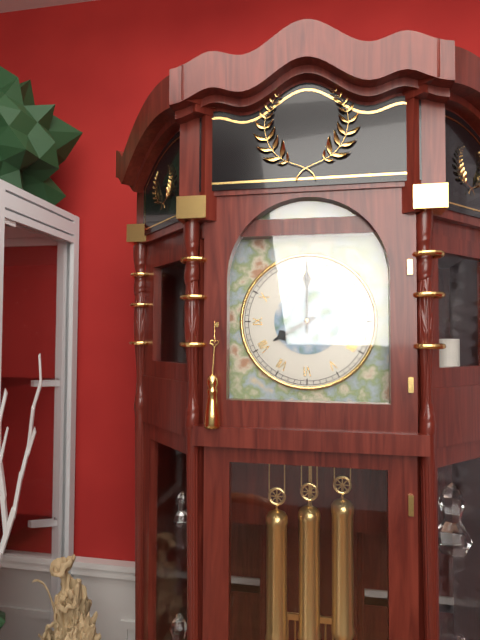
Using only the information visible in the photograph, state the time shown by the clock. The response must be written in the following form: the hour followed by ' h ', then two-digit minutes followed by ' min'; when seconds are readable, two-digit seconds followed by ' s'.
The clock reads 8 h 00 min
